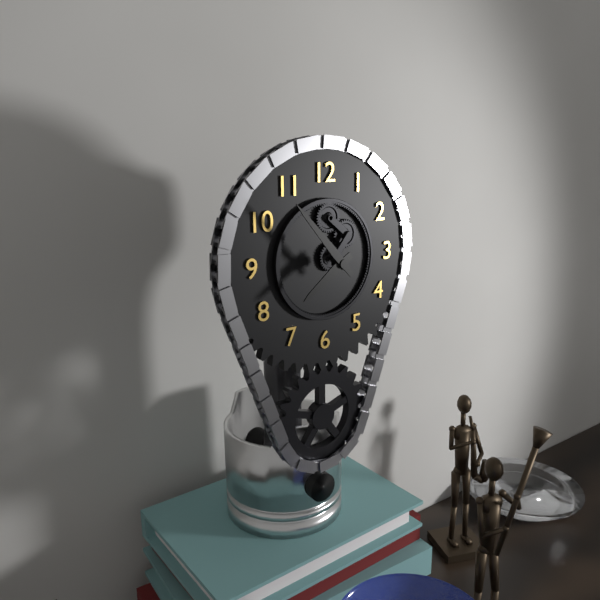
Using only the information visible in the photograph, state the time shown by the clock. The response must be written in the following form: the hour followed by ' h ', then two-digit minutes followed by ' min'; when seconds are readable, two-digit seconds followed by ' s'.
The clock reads 7 h 53 min
